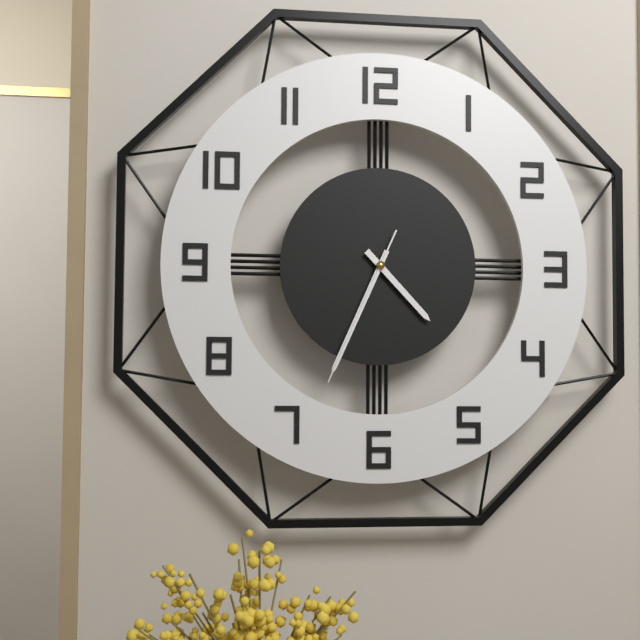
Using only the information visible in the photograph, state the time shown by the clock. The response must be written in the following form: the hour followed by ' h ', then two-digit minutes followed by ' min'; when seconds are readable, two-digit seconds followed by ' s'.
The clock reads 4 h 34 min 34 s
